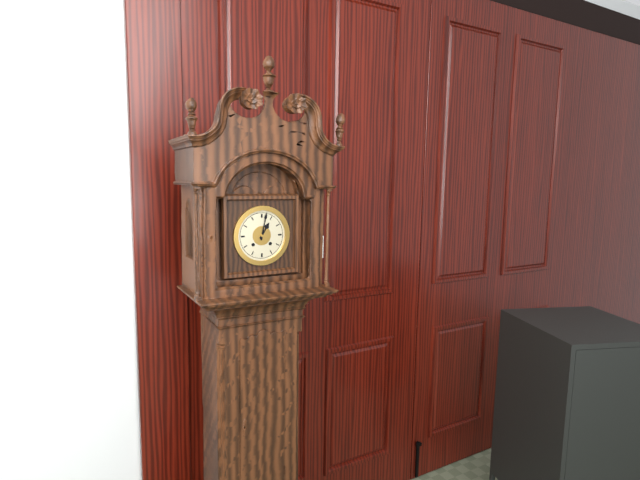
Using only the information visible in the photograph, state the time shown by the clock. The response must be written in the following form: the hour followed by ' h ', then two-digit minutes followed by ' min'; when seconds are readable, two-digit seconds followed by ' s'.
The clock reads 1 h 02 min
